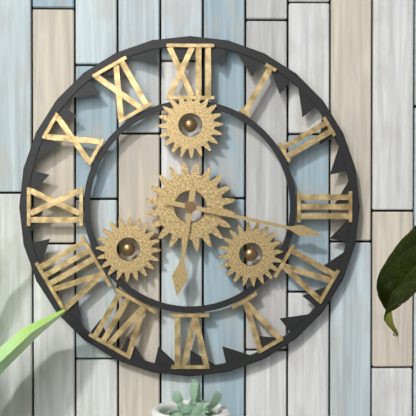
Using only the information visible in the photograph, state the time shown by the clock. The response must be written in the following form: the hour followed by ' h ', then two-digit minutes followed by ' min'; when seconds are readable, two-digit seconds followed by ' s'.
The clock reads 6 h 17 min
